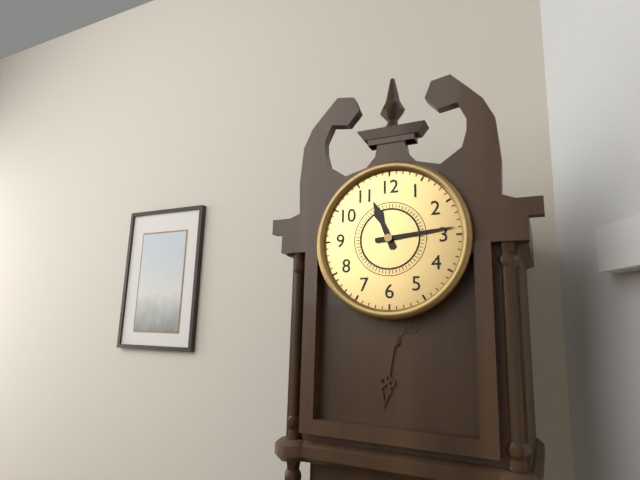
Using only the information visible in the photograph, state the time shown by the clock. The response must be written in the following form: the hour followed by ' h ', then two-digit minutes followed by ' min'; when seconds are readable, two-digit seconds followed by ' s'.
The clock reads 11 h 14 min
